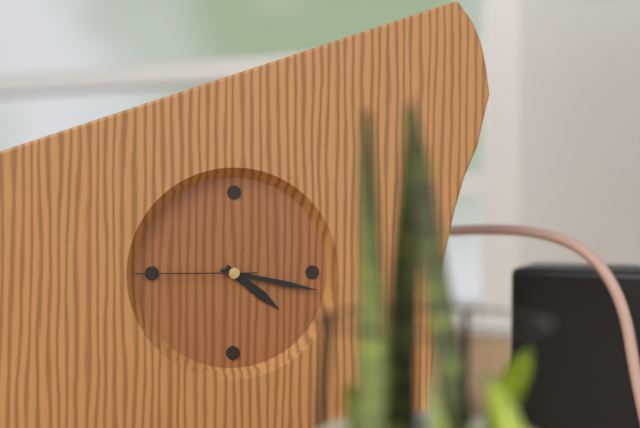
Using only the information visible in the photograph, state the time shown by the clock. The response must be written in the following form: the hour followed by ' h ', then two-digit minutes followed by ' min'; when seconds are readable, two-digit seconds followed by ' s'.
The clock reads 4 h 17 min 45 s
